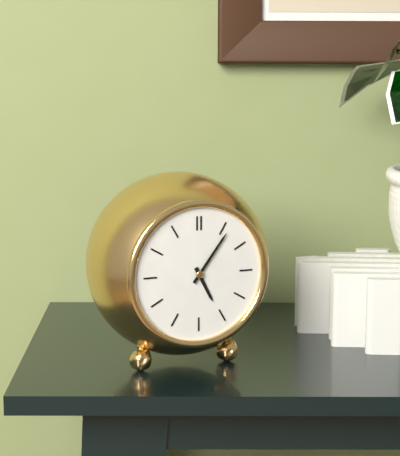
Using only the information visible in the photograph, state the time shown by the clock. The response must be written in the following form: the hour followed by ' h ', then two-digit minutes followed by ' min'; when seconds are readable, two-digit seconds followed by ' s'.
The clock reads 5 h 06 min
